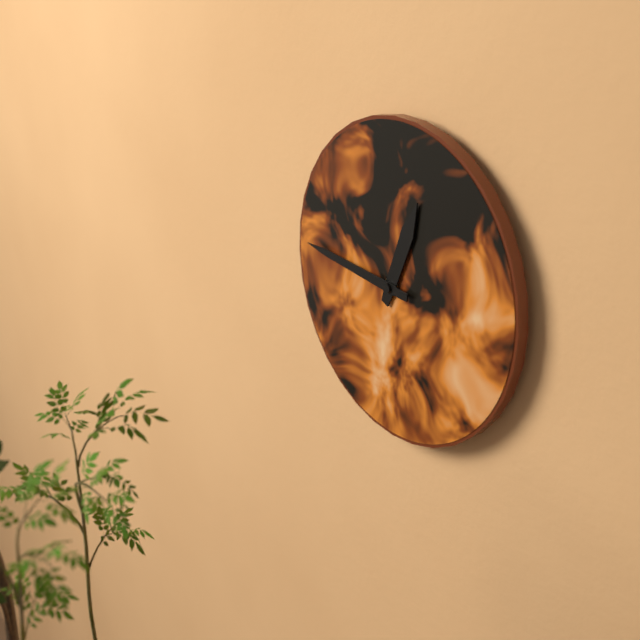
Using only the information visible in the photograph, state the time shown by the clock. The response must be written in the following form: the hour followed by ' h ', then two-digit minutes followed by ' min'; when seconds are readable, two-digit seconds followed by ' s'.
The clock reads 12 h 46 min
